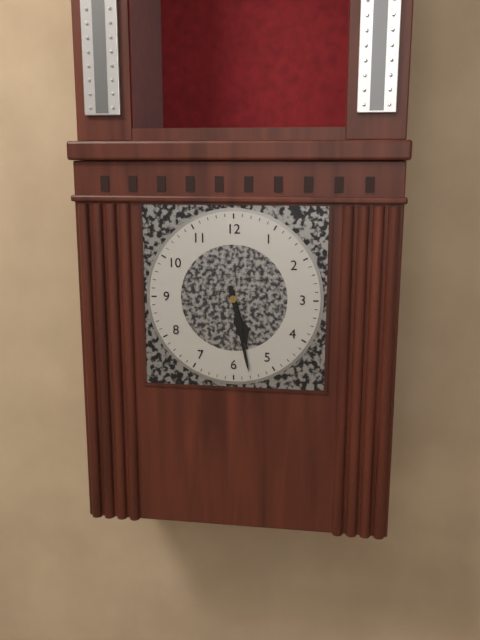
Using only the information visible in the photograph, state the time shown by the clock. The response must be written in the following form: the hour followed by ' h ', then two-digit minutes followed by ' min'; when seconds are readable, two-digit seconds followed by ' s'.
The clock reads 5 h 28 min
